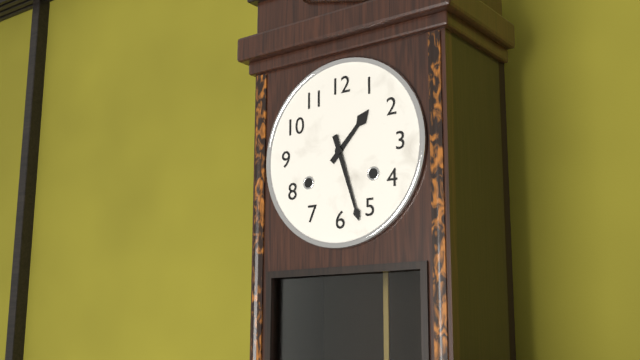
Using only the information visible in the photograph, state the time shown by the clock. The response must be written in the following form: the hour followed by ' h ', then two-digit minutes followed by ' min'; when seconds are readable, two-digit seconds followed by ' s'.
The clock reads 1 h 27 min
